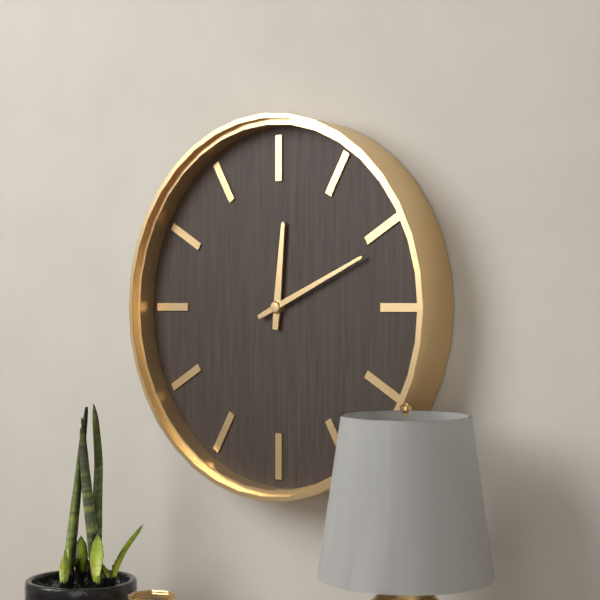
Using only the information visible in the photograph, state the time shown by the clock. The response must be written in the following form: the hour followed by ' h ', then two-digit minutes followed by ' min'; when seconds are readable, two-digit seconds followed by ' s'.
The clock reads 12 h 11 min
